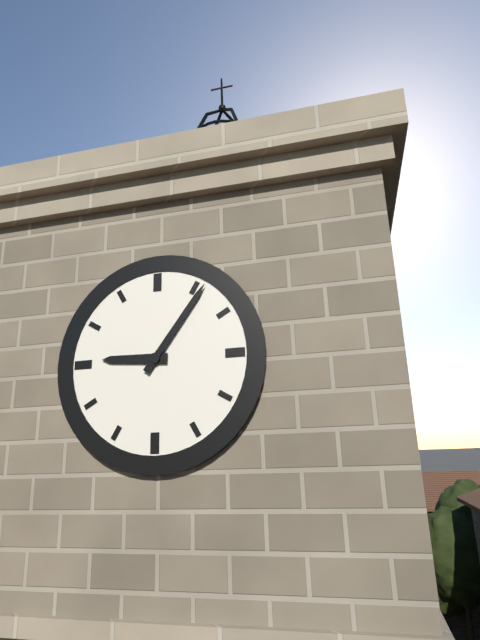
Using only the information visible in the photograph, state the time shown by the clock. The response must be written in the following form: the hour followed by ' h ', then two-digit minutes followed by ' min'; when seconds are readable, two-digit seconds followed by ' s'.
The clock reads 9 h 06 min
